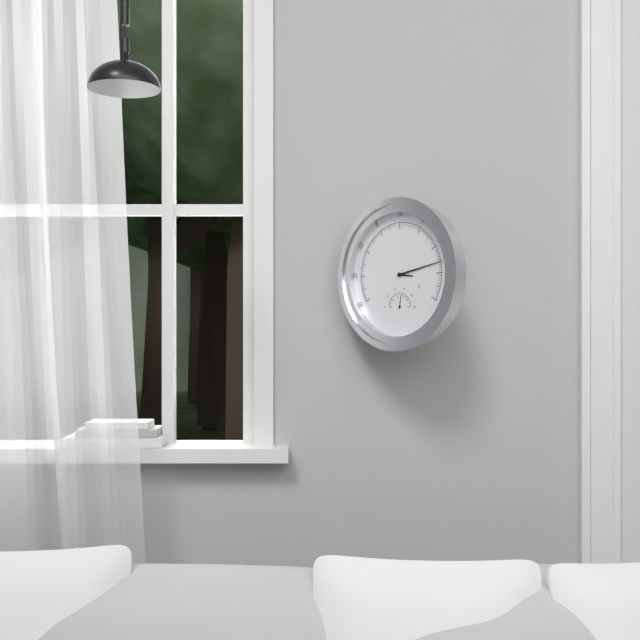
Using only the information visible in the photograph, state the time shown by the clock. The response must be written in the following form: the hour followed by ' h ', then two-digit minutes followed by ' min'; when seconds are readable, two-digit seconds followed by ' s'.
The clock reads 3 h 13 min
